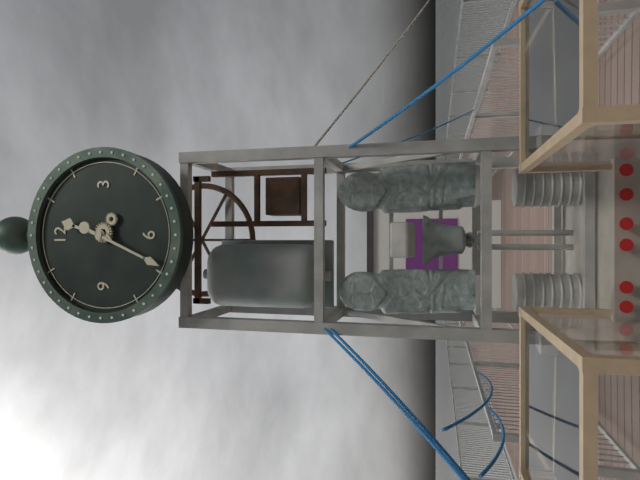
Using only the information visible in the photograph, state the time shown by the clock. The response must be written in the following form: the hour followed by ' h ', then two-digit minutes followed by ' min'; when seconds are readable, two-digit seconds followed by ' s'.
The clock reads 12 h 34 min
